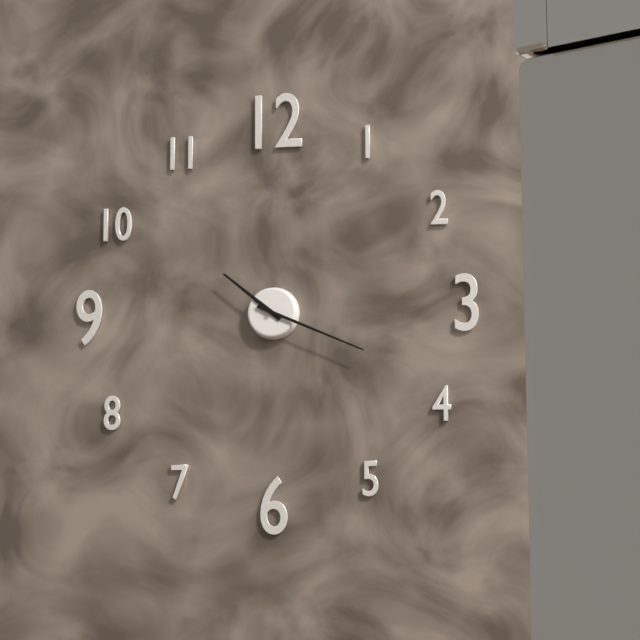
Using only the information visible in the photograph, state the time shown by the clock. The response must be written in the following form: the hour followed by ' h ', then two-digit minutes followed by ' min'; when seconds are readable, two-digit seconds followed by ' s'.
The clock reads 10 h 19 min
